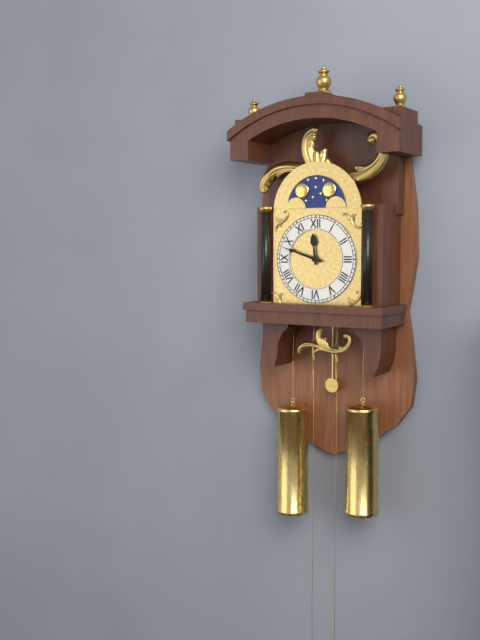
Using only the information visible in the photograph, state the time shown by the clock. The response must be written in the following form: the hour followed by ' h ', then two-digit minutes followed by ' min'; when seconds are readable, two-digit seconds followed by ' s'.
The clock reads 11 h 48 min
